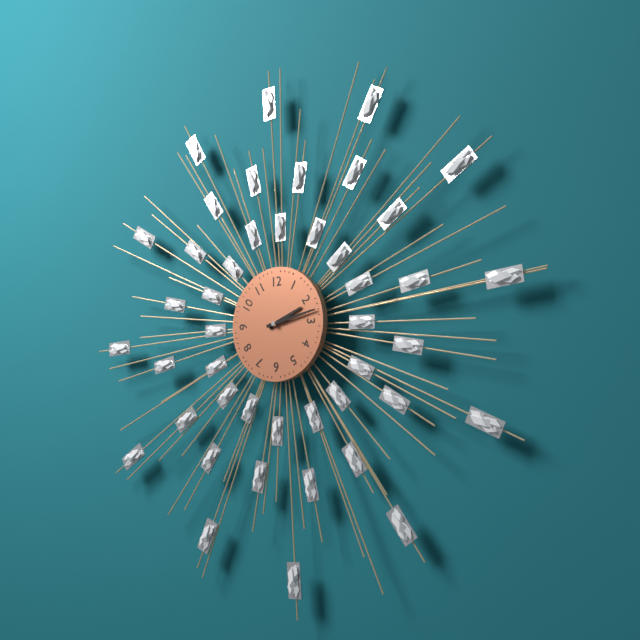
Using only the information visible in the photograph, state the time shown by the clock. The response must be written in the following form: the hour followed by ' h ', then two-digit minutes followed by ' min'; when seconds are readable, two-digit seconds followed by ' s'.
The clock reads 2 h 13 min
